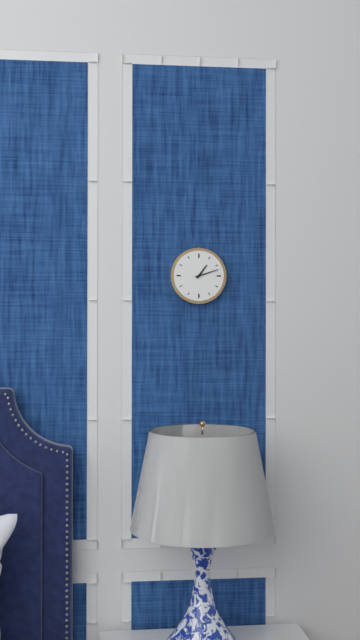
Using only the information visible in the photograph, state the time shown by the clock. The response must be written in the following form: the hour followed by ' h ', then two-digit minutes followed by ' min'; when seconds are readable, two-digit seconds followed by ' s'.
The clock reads 1 h 12 min
